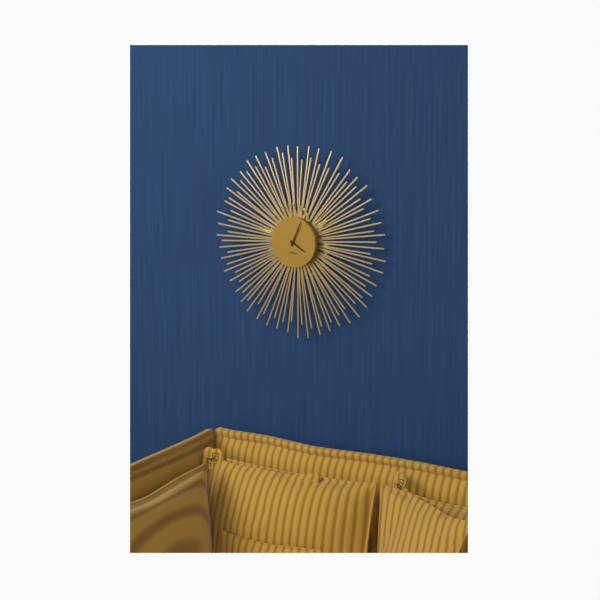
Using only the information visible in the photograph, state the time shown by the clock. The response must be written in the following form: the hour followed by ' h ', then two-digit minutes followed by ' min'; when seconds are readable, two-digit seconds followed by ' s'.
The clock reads 4 h 04 min
